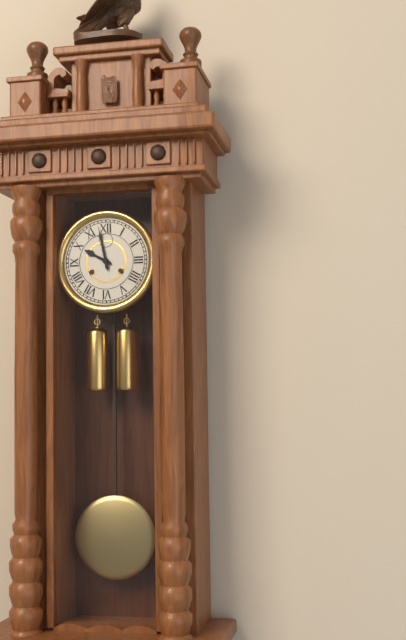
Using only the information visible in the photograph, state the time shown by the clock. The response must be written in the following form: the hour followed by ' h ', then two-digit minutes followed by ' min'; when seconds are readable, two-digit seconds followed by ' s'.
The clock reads 9 h 58 min
